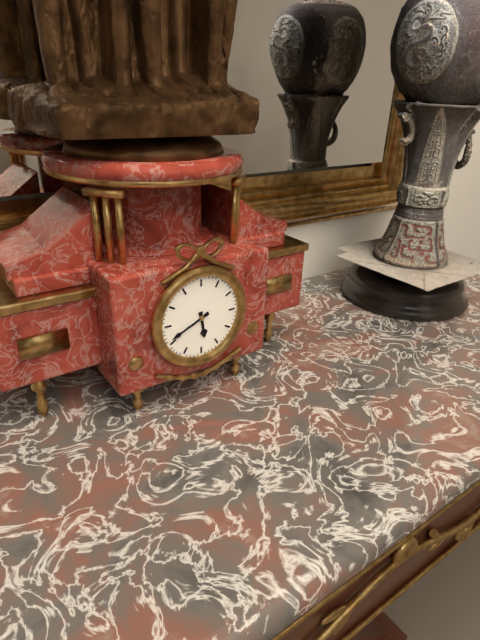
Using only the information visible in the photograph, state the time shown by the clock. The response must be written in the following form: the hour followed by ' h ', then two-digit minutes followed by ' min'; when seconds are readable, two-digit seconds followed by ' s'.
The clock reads 5 h 41 min
